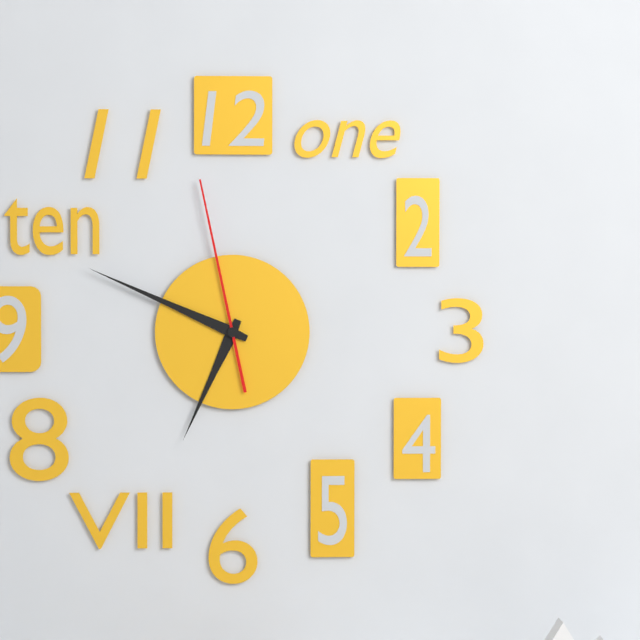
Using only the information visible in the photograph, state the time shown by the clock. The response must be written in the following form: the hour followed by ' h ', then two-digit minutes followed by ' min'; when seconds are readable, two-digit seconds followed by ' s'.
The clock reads 6 h 49 min 58 s
